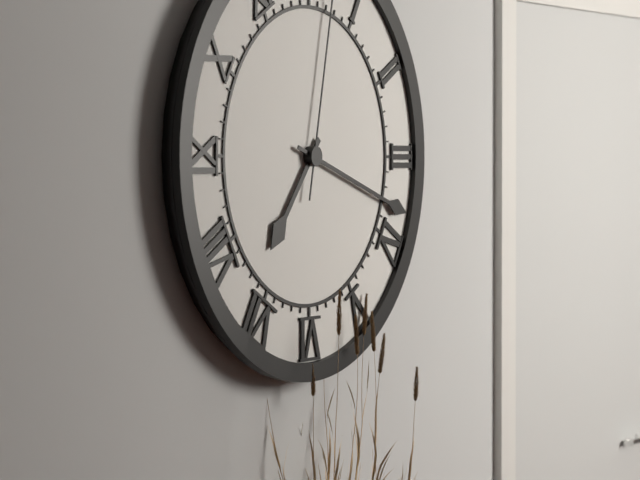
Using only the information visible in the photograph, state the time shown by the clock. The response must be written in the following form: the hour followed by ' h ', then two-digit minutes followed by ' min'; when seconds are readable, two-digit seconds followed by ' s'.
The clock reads 7 h 18 min
